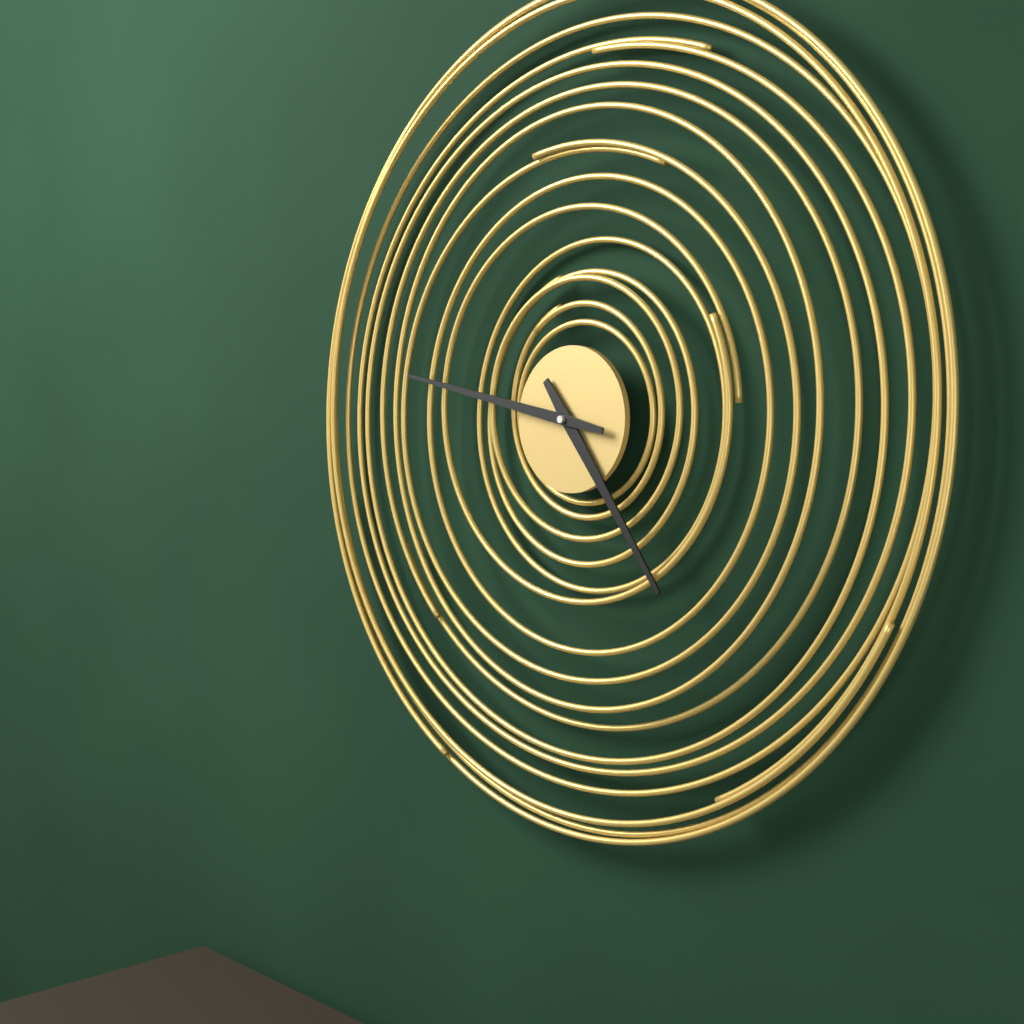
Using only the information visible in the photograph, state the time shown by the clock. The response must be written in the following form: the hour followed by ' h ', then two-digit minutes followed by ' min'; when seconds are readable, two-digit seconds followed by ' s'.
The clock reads 4 h 47 min
